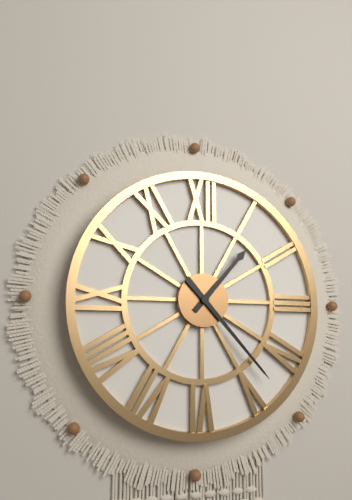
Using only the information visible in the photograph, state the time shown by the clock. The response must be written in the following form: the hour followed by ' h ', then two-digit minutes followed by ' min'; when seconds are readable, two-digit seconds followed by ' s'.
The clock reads 1 h 23 min
